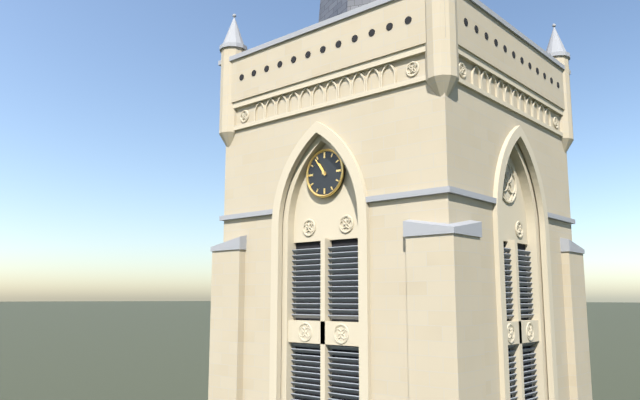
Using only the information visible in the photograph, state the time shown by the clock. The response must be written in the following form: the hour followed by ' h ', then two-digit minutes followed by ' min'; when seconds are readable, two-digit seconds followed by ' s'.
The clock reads 10 h 54 min
